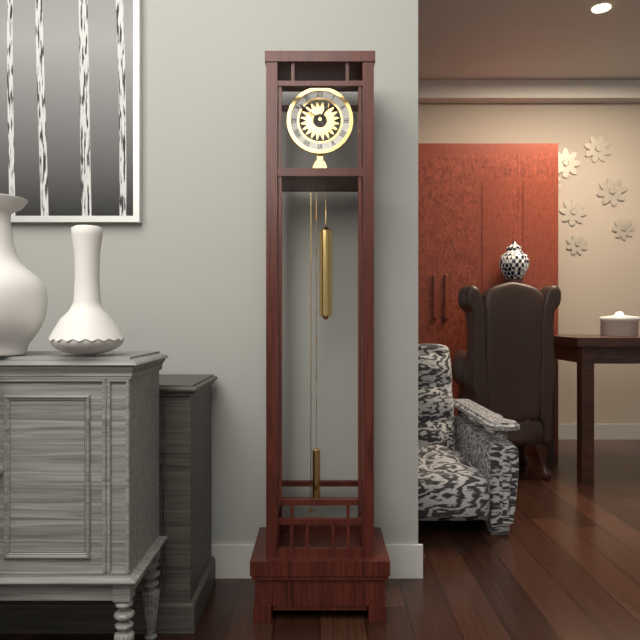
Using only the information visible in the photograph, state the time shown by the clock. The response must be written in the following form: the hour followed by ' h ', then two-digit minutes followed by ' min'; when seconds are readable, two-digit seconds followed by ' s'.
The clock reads 12 h 51 min
